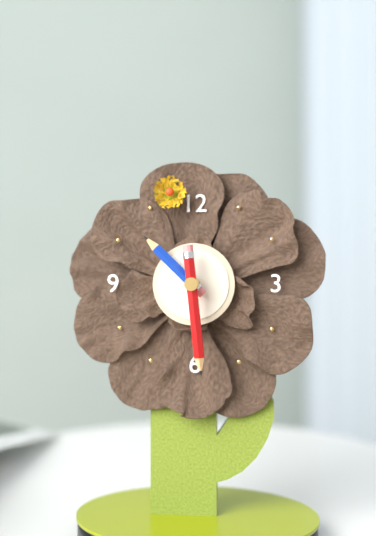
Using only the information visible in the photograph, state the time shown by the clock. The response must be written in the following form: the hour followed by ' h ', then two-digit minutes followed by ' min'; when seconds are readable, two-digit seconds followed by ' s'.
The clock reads 10 h 29 min
